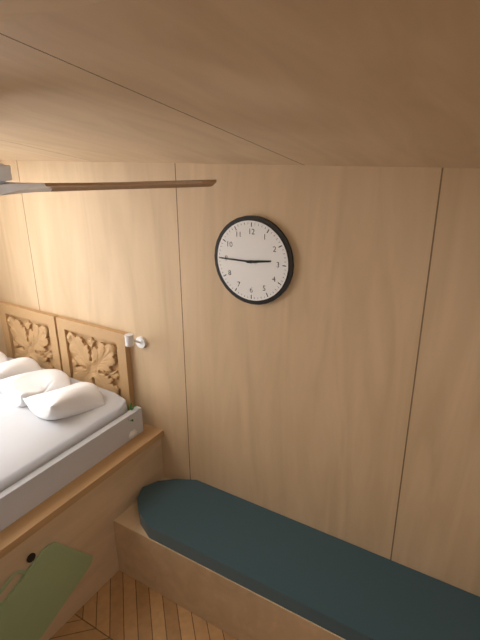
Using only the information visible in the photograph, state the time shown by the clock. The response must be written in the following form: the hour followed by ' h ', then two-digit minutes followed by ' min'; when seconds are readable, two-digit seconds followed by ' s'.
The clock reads 2 h 45 min
